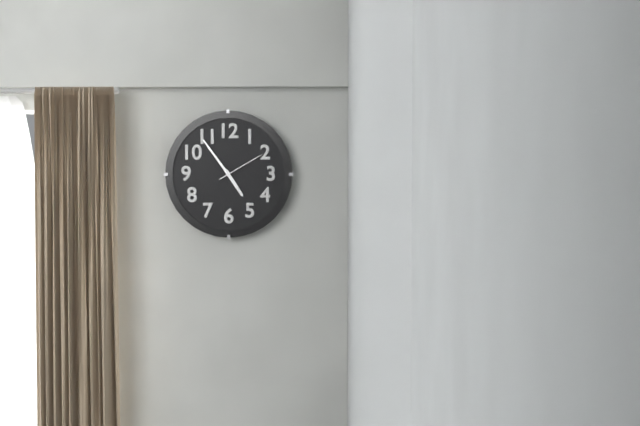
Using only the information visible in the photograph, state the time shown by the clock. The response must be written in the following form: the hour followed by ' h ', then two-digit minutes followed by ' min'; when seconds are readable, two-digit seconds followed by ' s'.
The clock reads 4 h 54 min
